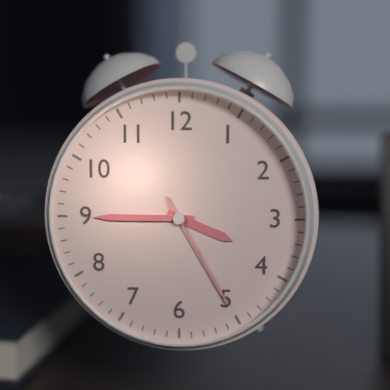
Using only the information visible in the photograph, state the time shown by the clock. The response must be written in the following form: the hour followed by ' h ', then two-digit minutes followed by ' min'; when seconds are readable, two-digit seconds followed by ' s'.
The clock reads 3 h 45 min 25 s
